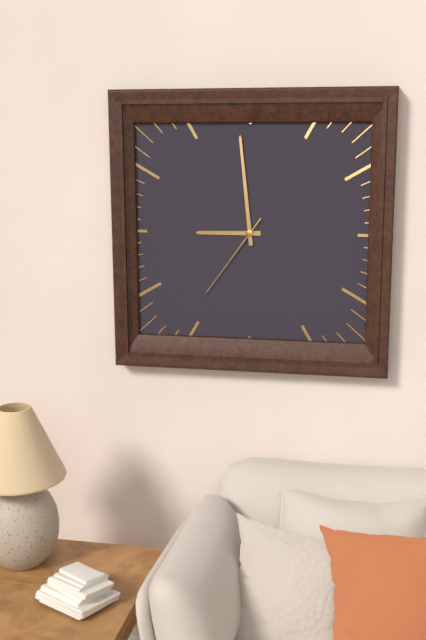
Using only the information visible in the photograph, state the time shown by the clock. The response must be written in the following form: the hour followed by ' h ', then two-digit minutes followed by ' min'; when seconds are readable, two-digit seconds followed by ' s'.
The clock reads 8 h 59 min 36 s
